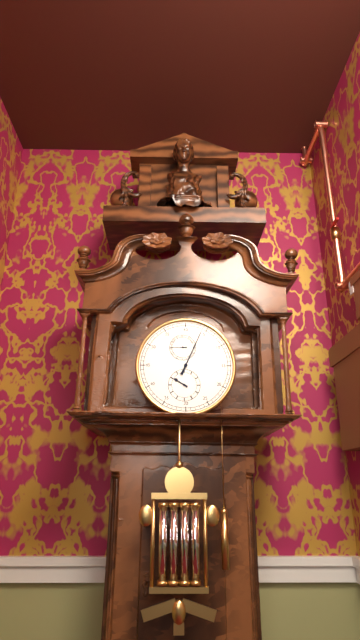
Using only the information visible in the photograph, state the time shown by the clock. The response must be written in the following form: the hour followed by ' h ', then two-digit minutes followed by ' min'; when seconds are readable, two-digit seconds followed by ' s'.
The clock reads 10 h 04 min
